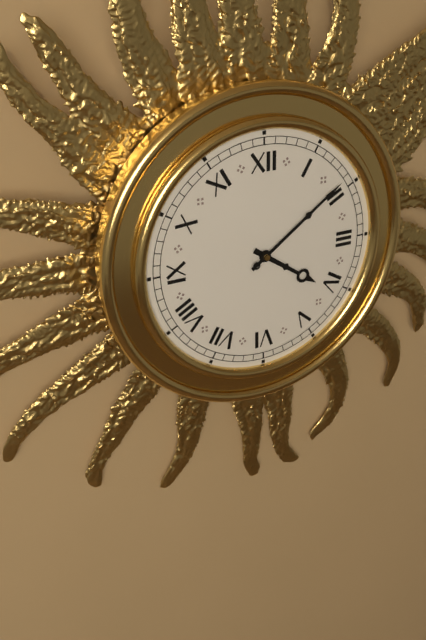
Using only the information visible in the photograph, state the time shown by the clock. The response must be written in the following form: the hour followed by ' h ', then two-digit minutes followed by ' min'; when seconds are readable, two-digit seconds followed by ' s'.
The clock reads 4 h 09 min
